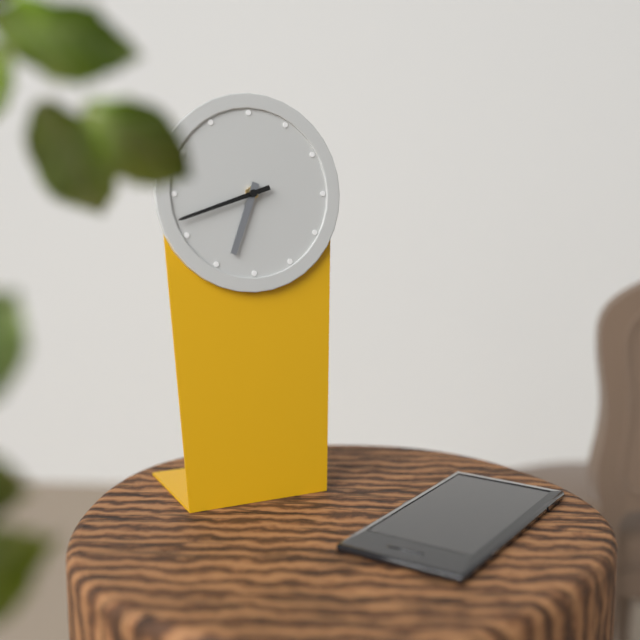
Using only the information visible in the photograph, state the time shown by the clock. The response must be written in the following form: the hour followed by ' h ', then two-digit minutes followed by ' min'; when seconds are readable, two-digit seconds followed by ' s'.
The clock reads 6 h 42 min
